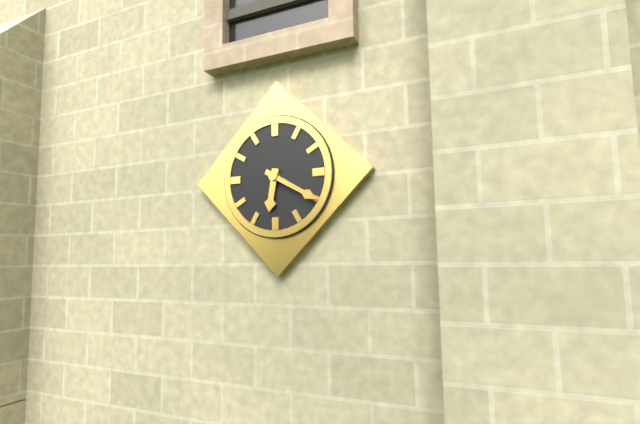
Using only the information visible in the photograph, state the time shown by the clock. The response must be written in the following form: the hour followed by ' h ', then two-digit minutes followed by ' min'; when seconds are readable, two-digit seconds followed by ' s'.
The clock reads 6 h 20 min
